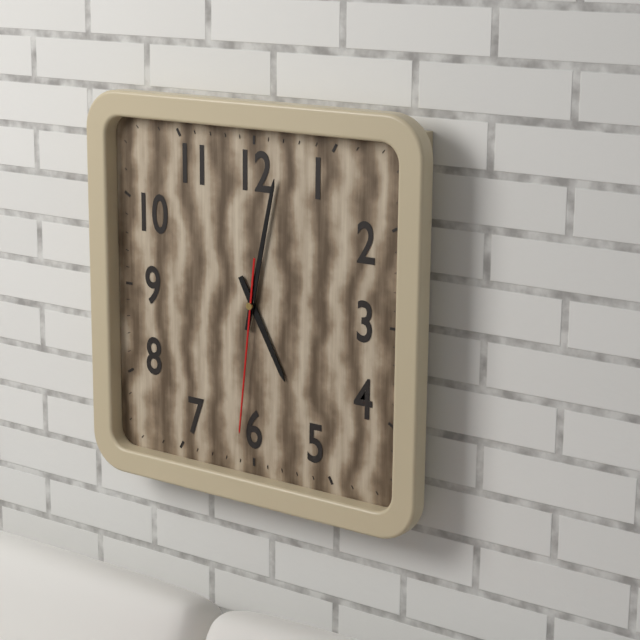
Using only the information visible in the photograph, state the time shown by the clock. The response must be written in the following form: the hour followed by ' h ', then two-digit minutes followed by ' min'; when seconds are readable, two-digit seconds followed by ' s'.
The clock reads 5 h 02 min 31 s
